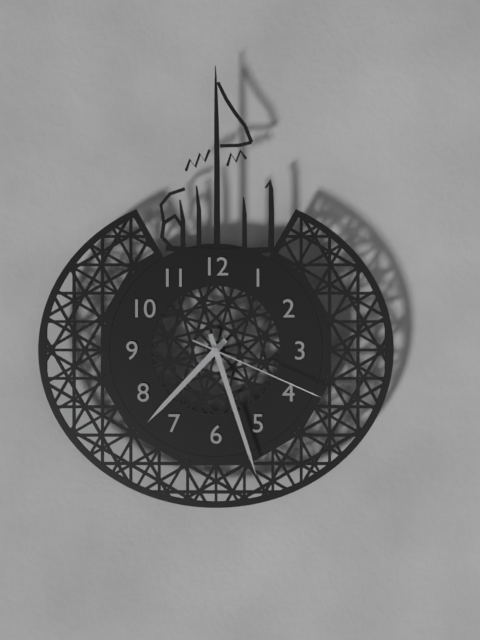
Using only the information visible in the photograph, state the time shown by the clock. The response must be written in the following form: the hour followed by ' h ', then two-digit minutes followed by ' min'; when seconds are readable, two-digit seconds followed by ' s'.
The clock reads 7 h 27 min 19 s
